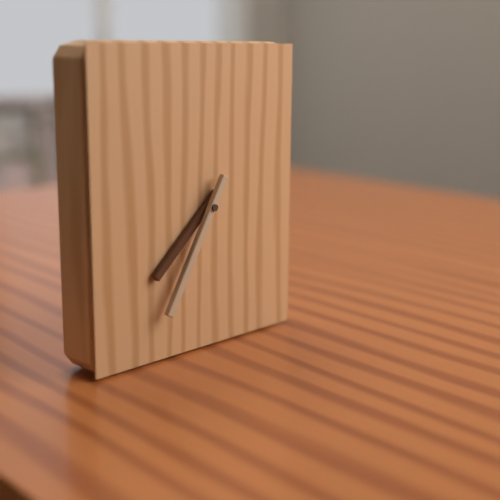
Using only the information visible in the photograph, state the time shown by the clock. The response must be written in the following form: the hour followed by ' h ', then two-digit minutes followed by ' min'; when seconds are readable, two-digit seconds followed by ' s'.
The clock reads 7 h 35 min
